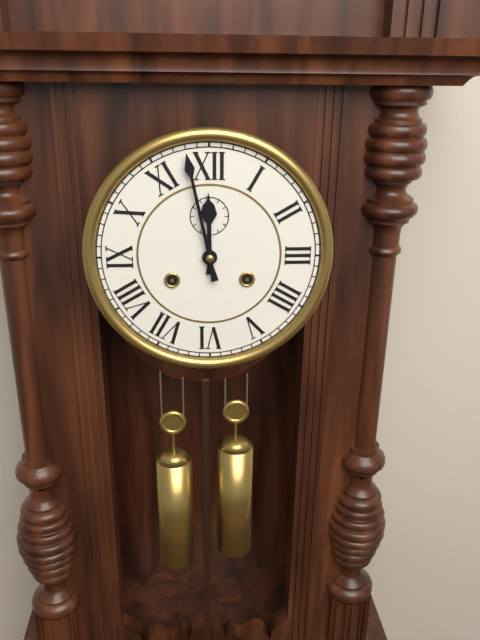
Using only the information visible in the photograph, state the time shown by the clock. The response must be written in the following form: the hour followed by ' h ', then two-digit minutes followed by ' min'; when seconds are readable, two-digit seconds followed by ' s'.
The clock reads 11 h 58 min
